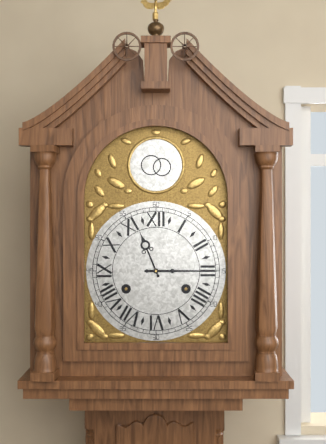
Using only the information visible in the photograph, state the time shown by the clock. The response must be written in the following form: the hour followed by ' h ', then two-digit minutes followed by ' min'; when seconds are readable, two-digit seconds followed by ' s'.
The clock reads 11 h 15 min
